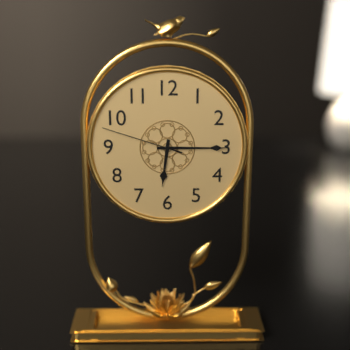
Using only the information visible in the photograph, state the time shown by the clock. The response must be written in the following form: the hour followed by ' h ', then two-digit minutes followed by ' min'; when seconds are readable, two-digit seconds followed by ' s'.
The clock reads 6 h 15 min 48 s
